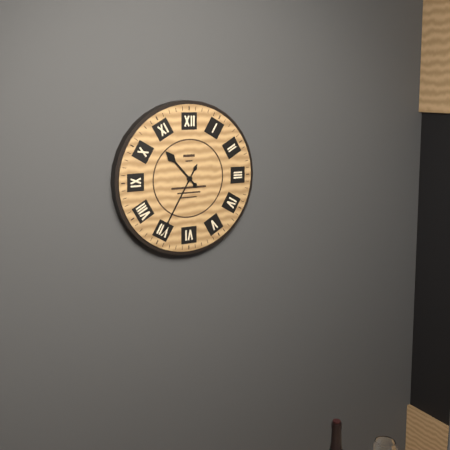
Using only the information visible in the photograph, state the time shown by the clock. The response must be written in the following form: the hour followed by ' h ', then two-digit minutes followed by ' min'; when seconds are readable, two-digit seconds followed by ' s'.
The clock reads 10 h 35 min
